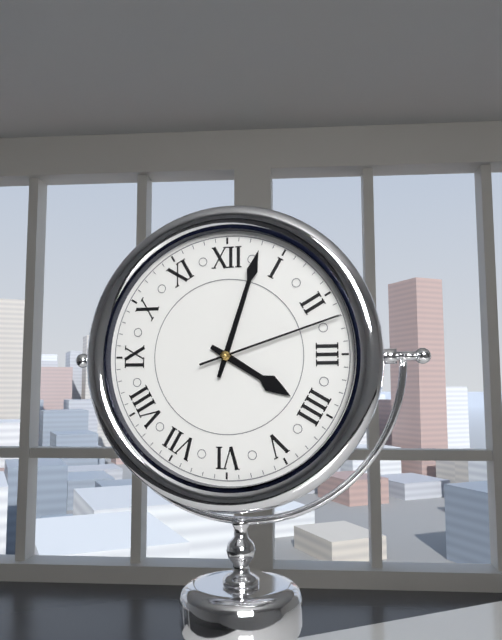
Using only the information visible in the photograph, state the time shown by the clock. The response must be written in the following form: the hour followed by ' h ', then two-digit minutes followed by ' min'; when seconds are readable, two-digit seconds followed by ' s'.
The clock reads 4 h 03 min 12 s
